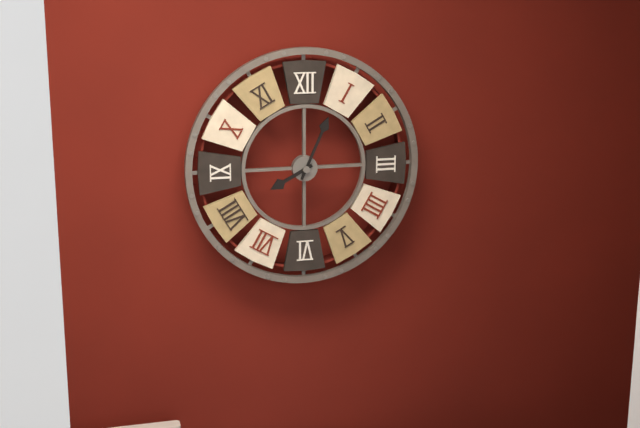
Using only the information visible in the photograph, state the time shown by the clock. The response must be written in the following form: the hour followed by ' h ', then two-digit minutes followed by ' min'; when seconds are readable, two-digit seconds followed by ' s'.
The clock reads 8 h 04 min
